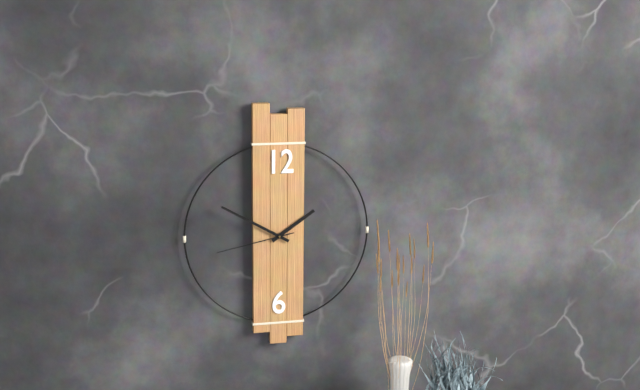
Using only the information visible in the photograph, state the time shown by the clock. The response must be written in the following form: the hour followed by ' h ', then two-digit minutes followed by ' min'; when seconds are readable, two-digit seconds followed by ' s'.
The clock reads 1 h 50 min 43 s
